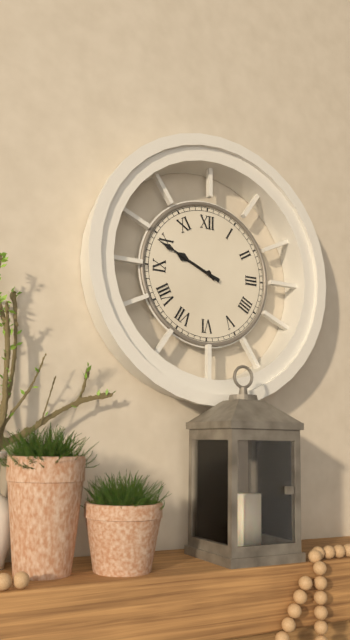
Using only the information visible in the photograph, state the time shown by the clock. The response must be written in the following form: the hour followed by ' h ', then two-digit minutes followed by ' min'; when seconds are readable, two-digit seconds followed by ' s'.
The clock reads 9 h 49 min
